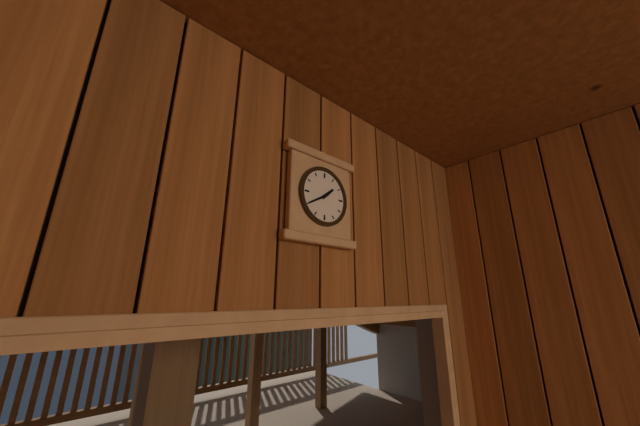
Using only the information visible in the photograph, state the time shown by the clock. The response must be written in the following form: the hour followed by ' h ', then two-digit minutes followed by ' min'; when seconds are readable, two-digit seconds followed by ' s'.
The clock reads 1 h 40 min
